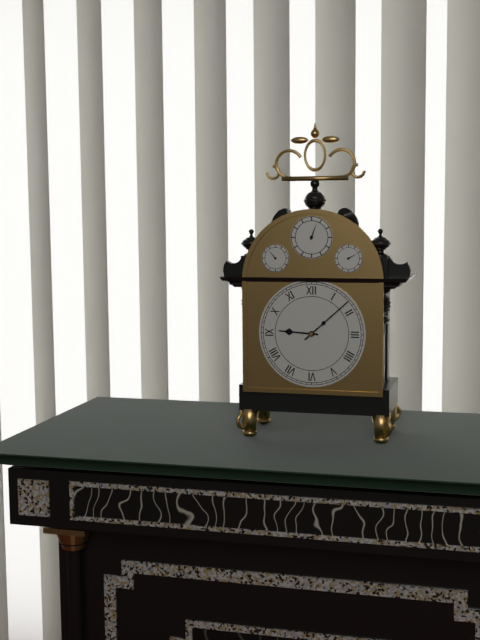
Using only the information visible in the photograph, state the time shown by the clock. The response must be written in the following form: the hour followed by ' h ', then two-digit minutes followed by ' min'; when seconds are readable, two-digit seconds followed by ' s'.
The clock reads 9 h 08 min
